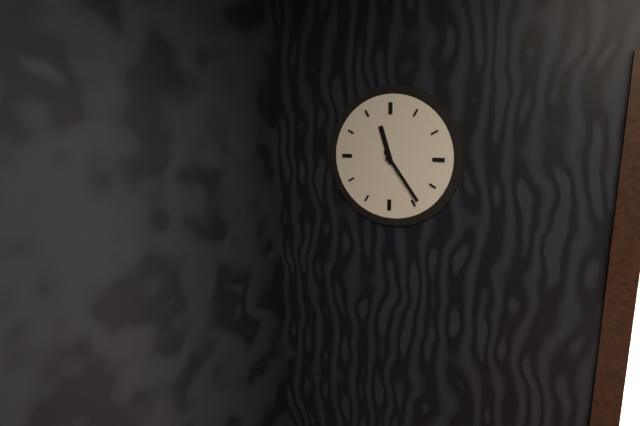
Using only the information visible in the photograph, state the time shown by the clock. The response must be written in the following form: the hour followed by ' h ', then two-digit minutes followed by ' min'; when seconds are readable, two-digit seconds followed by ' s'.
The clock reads 11 h 24 min
